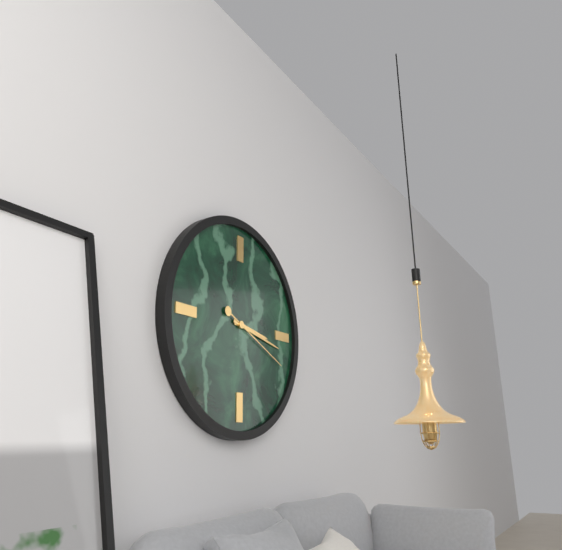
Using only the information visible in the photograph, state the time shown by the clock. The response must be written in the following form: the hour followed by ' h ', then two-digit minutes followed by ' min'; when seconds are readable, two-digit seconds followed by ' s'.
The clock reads 3 h 17 min 19 s
